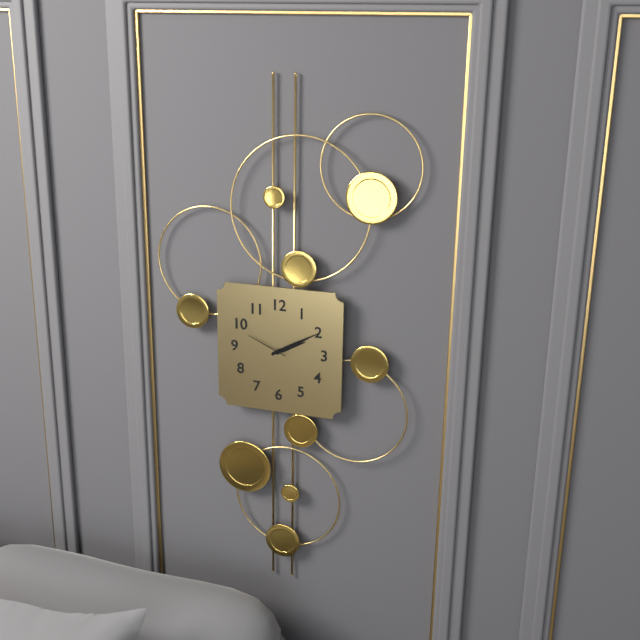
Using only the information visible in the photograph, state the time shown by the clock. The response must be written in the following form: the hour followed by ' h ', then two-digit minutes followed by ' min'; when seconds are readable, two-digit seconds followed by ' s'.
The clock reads 2 h 10 min
